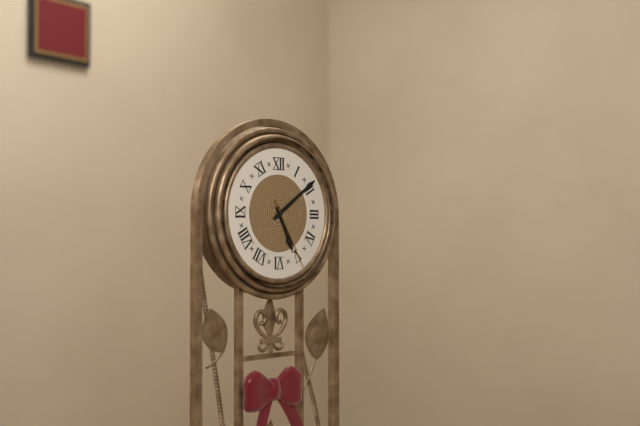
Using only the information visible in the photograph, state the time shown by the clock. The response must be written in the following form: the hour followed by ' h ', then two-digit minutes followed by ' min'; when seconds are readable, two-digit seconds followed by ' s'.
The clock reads 5 h 09 min 25 s
